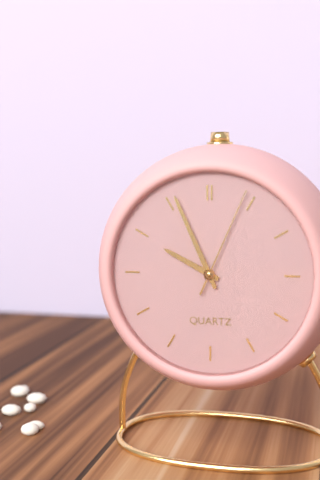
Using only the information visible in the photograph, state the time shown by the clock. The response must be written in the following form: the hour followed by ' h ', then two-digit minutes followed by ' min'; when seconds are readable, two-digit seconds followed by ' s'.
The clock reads 9 h 56 min 04 s
